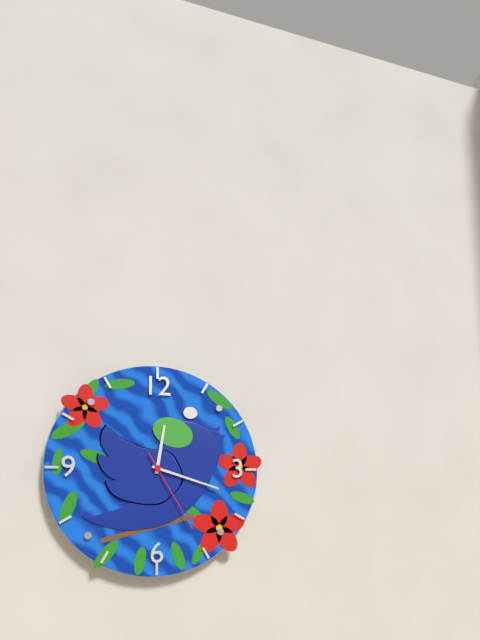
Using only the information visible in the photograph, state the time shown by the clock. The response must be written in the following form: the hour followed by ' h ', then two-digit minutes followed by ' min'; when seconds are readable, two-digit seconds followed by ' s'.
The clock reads 12 h 18 min 25 s
